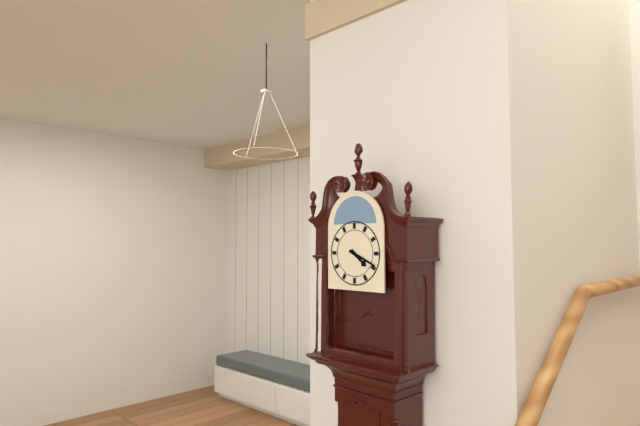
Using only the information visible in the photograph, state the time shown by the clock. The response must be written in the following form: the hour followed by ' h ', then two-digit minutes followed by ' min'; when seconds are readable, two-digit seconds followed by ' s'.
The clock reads 4 h 19 min
